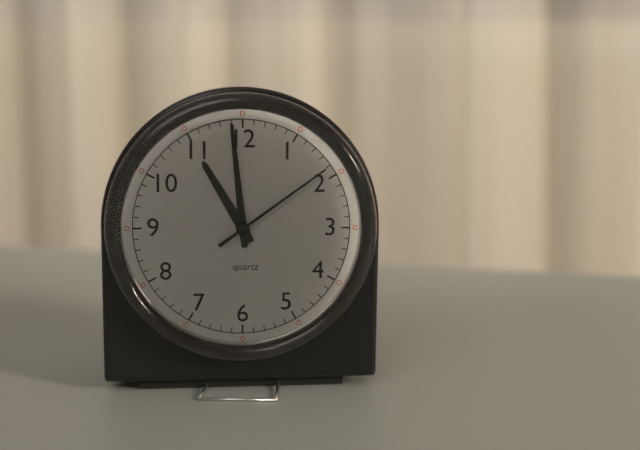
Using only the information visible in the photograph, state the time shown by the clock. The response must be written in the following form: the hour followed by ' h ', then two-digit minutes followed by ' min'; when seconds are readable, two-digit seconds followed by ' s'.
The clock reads 10 h 59 min 09 s
